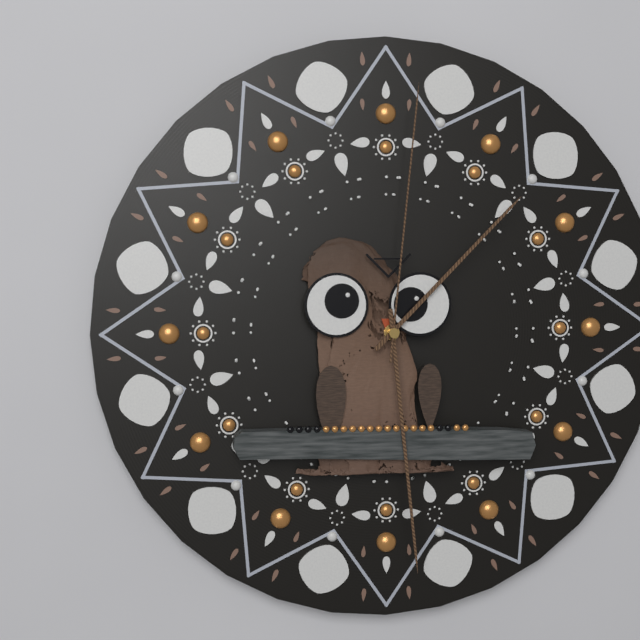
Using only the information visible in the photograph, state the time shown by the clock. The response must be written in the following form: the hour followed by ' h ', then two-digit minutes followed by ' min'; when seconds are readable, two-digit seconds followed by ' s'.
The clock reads 1 h 29 min 01 s
